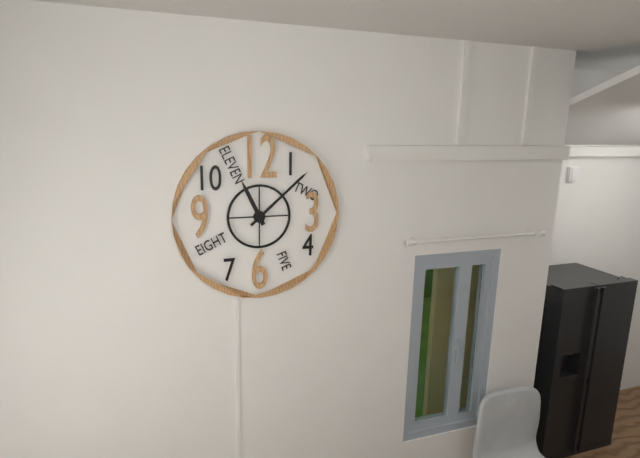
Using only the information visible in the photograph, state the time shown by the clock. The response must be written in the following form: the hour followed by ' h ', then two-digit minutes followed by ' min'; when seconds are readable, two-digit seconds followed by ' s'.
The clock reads 11 h 08 min
